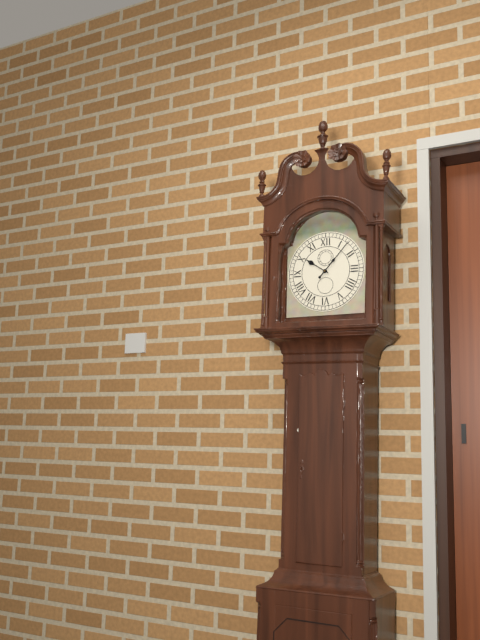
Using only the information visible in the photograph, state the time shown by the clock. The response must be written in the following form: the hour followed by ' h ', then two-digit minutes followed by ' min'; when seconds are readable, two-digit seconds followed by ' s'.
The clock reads 10 h 07 min
